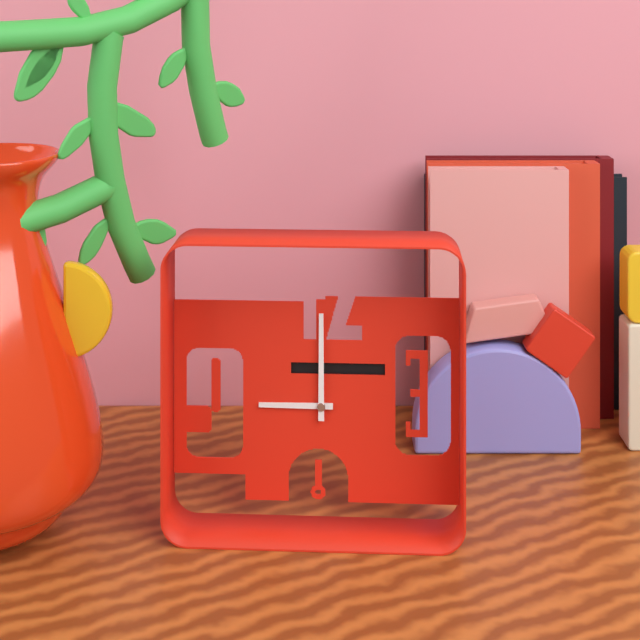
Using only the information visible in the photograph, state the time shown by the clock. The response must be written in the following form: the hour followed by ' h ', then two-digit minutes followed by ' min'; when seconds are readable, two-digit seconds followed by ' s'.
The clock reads 9 h 00 min
